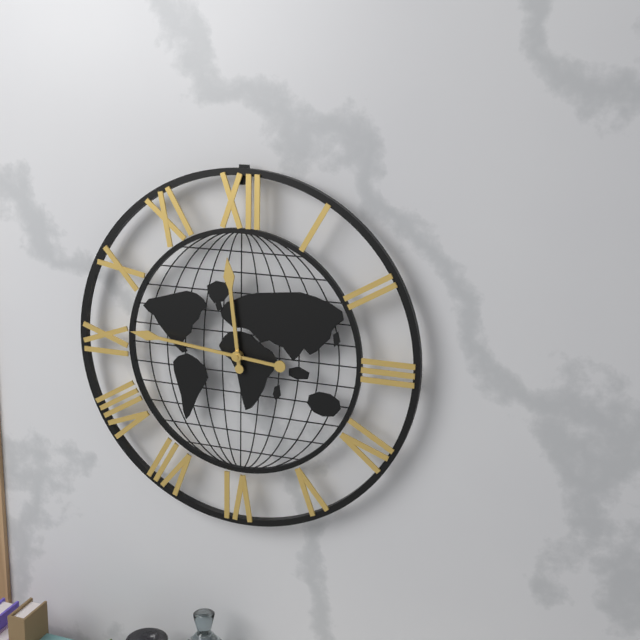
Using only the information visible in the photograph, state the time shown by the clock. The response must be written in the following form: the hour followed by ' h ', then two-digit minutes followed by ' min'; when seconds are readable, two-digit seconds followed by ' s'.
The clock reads 11 h 46 min
